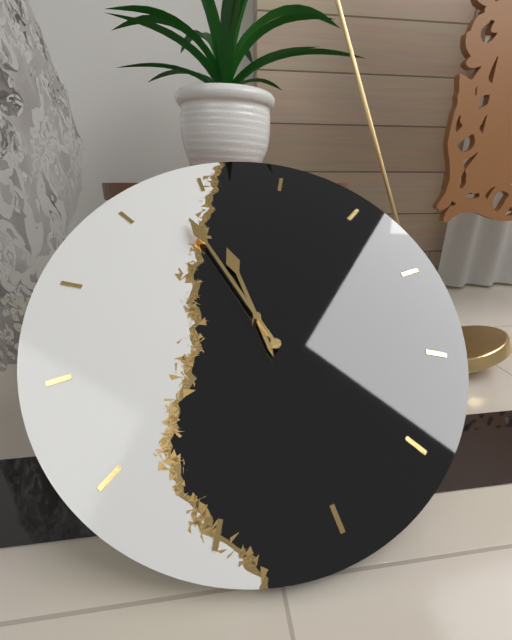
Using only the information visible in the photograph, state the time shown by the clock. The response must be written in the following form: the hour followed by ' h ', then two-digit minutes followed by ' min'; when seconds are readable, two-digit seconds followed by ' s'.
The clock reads 11 h 58 min
